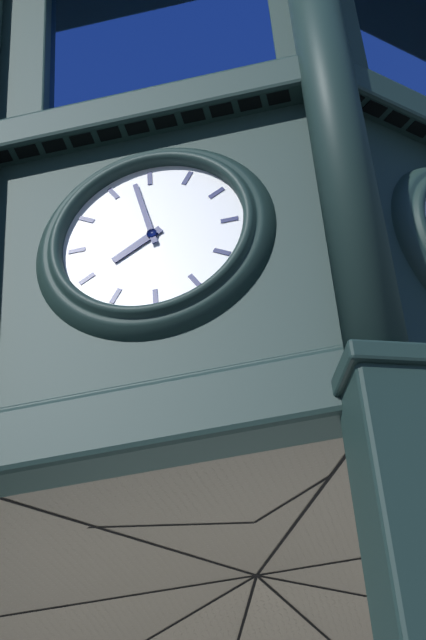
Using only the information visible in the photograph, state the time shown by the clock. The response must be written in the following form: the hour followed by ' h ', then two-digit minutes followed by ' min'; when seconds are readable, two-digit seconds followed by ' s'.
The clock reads 7 h 58 min
